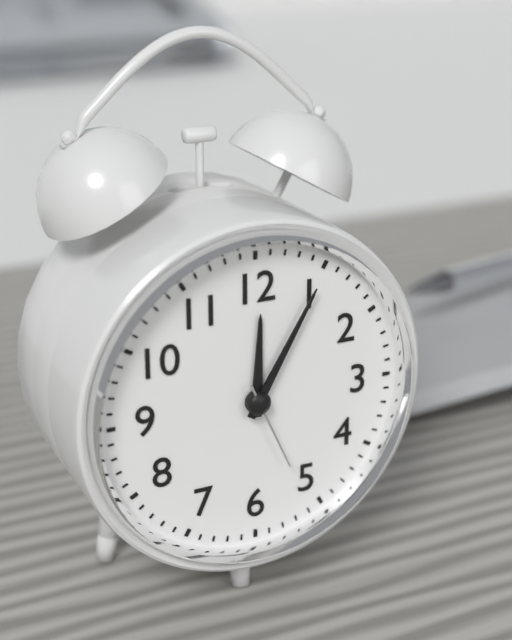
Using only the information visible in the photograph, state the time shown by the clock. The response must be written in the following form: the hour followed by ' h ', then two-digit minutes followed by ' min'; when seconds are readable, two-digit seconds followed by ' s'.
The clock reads 12 h 05 min 26 s
